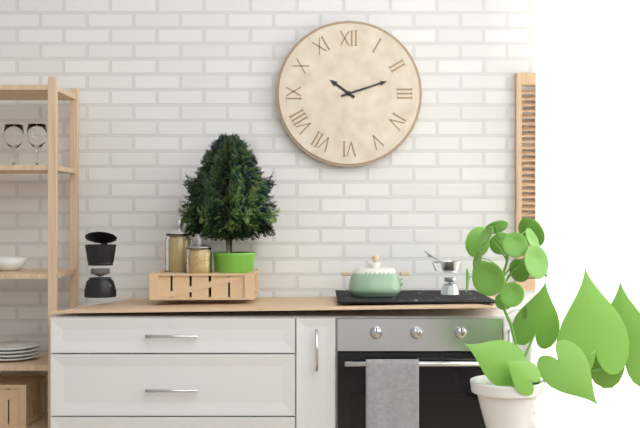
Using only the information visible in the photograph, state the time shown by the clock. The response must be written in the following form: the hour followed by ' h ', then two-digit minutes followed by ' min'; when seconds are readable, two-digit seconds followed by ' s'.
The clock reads 10 h 12 min
